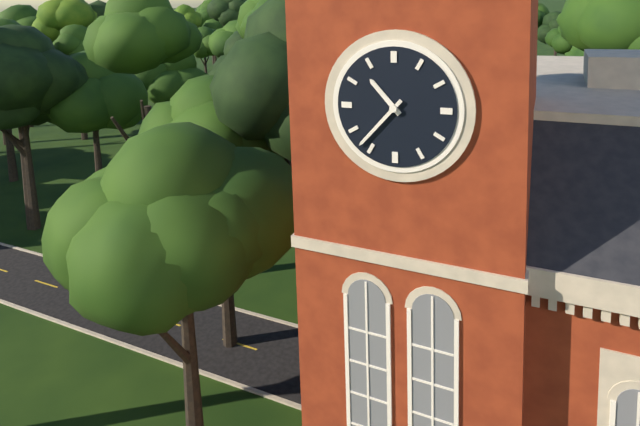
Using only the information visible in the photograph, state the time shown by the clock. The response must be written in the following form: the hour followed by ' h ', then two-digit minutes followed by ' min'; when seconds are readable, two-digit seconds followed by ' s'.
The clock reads 10 h 37 min
